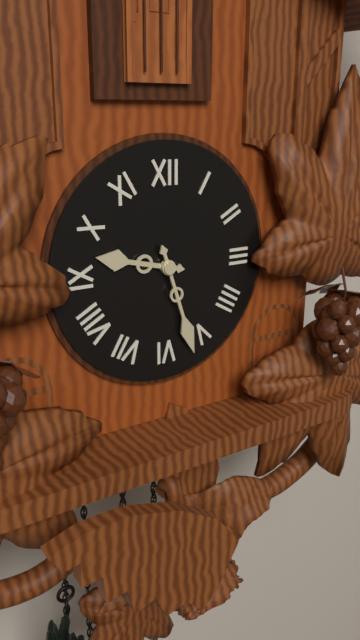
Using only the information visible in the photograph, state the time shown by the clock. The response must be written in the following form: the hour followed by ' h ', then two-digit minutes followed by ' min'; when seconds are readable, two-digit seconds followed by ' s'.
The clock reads 9 h 27 min
